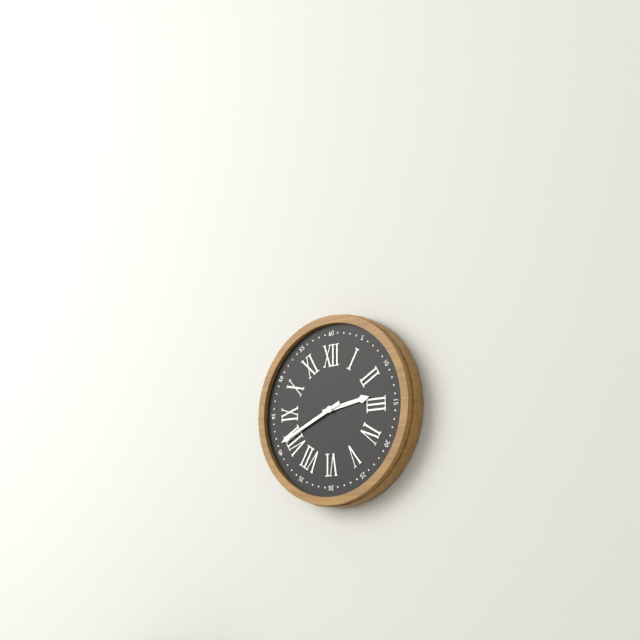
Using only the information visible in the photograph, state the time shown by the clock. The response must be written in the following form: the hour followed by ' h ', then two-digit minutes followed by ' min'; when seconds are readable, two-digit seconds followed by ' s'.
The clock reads 2 h 41 min
